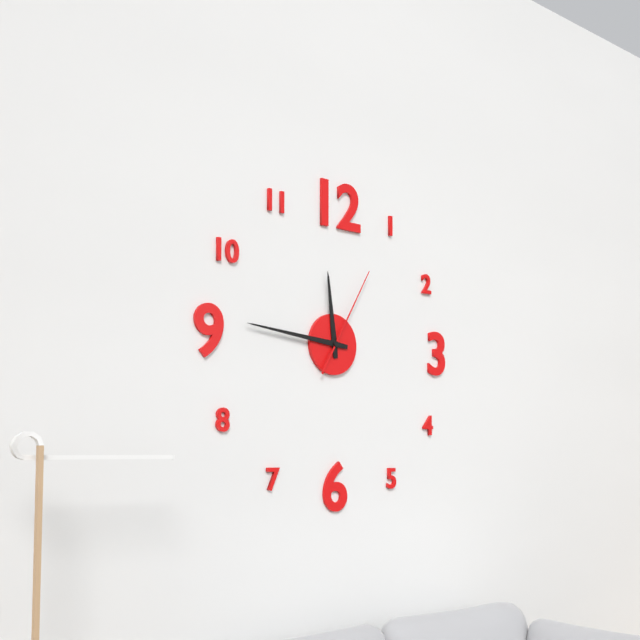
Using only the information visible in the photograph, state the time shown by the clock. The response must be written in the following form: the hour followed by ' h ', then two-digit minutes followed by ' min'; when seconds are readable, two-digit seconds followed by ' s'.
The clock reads 11 h 46 min 05 s
